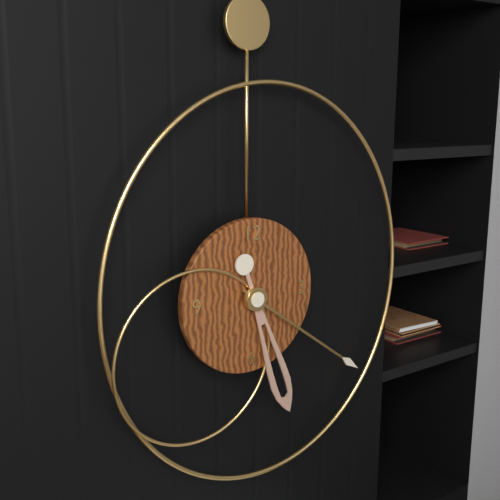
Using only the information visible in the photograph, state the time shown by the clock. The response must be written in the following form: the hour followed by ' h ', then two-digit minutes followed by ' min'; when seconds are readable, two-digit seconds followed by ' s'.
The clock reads 5 h 21 min
